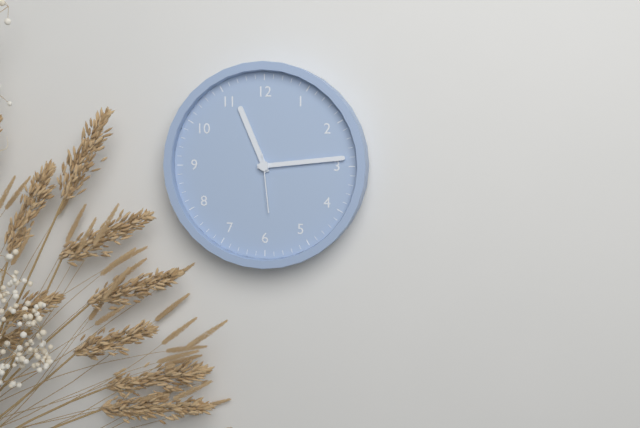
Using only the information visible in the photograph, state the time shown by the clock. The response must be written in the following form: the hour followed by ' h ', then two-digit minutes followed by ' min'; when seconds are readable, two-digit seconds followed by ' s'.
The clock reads 11 h 14 min 29 s
